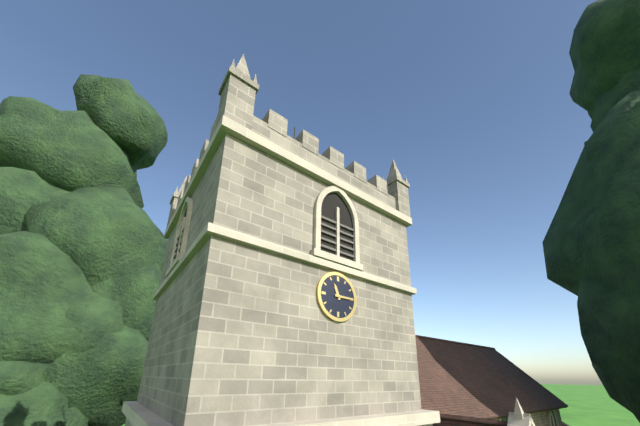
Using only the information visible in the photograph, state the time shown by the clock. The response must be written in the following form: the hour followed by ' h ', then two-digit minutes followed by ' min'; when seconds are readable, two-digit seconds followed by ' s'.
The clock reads 11 h 15 min
